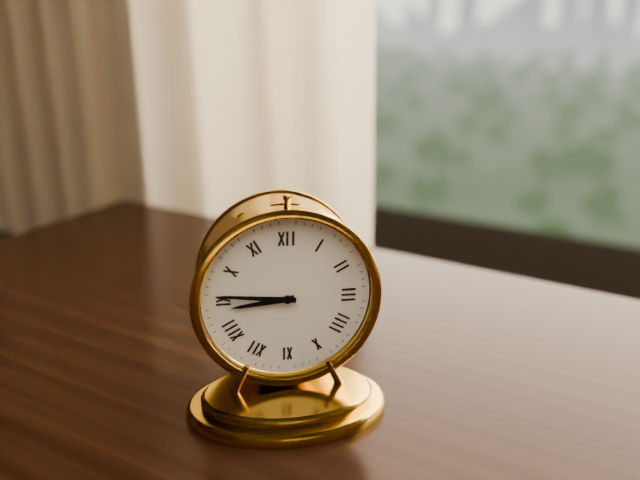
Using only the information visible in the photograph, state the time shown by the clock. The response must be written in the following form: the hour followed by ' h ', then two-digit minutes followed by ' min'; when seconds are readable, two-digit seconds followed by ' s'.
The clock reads 8 h 46 min
